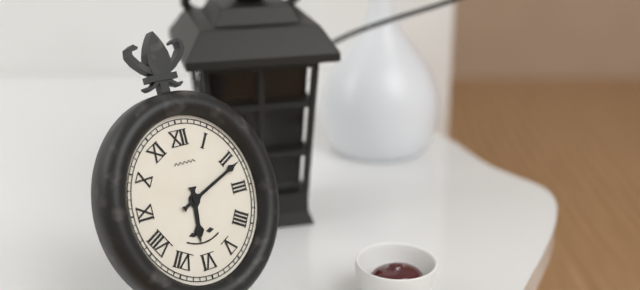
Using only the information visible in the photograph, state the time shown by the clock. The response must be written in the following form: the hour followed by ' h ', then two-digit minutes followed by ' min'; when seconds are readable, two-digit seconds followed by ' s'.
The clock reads 6 h 11 min
